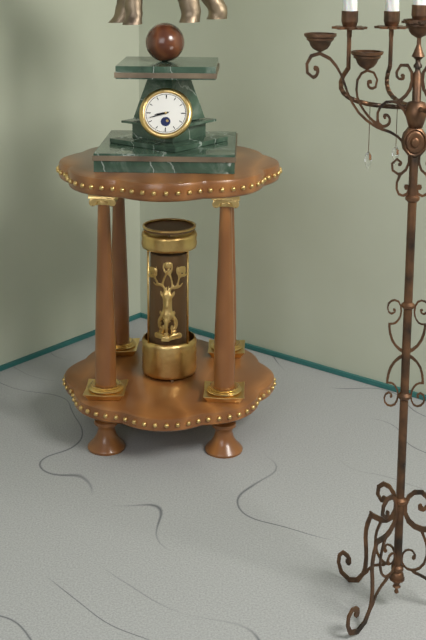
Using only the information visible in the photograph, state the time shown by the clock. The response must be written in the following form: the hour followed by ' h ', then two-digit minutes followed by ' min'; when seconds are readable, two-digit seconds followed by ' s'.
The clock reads 8 h 42 min
